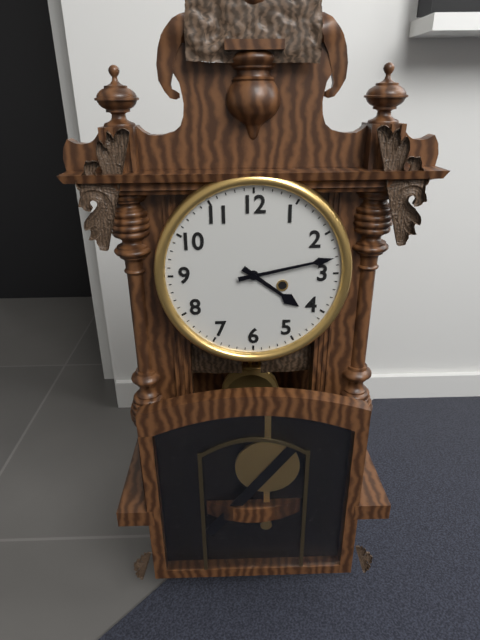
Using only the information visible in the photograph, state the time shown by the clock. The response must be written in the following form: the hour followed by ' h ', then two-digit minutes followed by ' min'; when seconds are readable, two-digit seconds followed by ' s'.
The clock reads 4 h 13 min
